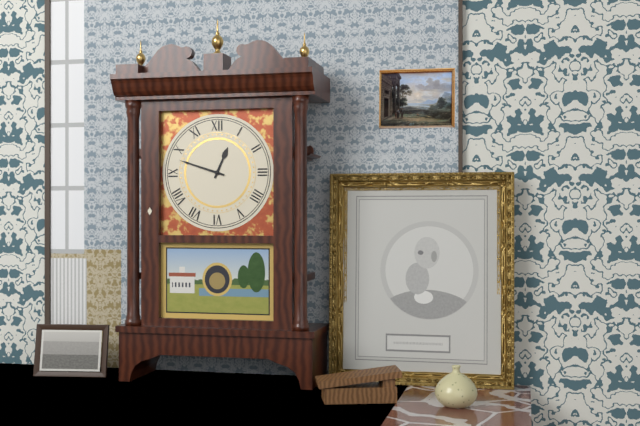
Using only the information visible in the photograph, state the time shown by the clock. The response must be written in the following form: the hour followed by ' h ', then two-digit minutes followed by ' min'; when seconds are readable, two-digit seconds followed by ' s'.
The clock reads 12 h 48 min
